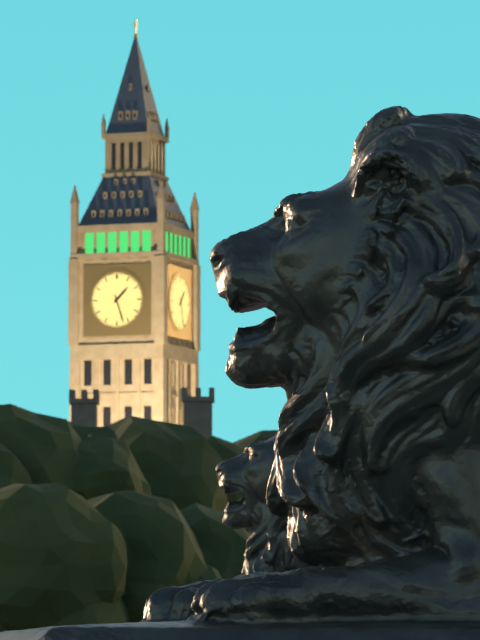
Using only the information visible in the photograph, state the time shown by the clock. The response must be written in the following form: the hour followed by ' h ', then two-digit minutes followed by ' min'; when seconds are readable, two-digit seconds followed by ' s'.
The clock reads 1 h 27 min
